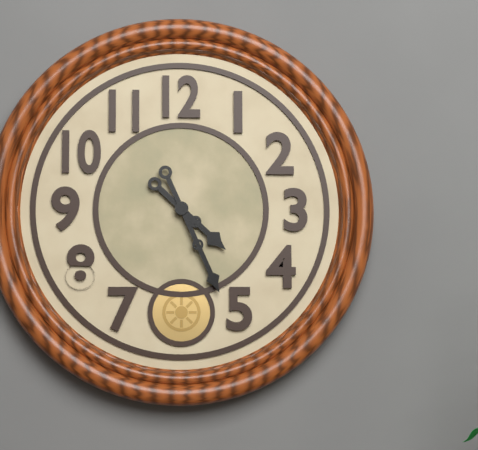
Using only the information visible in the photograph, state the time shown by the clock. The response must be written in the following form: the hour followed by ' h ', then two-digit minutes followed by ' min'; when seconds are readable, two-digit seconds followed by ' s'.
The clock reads 4 h 26 min
